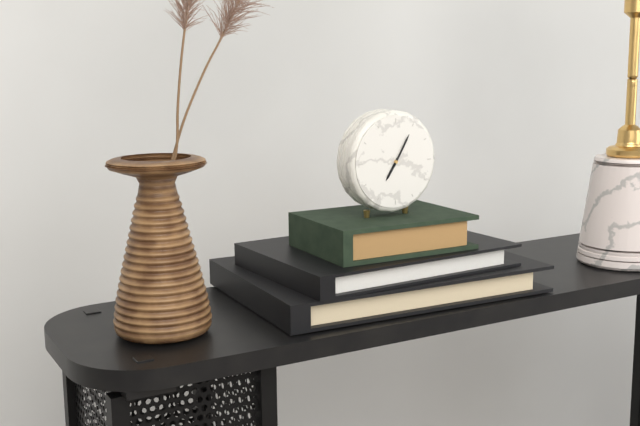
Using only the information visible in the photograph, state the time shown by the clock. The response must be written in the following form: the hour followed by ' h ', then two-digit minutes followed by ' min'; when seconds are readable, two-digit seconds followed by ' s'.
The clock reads 7 h 05 min
